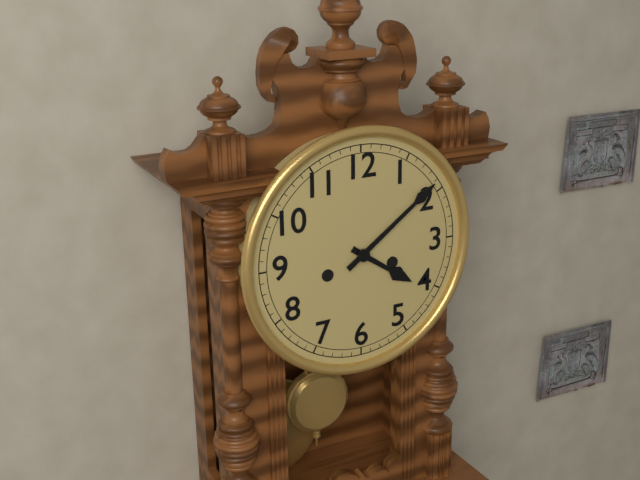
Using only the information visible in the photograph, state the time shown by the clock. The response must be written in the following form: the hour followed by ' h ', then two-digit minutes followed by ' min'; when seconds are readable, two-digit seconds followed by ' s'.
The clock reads 4 h 09 min
